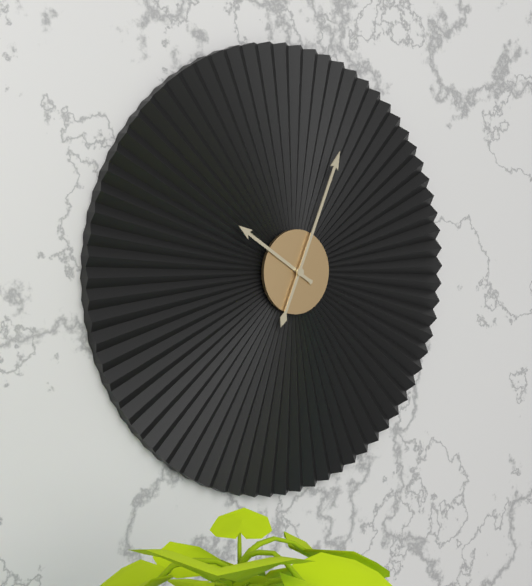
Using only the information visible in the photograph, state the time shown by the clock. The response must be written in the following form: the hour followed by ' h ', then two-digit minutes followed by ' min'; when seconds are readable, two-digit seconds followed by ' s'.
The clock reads 10 h 04 min
